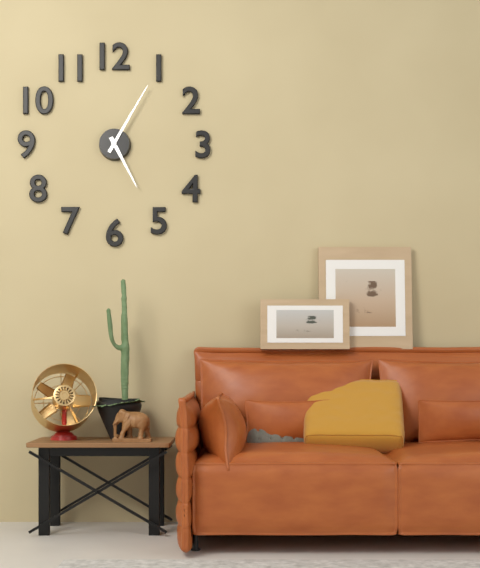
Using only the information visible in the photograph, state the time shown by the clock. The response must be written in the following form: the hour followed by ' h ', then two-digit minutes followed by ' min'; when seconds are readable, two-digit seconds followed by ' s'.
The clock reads 5 h 05 min
